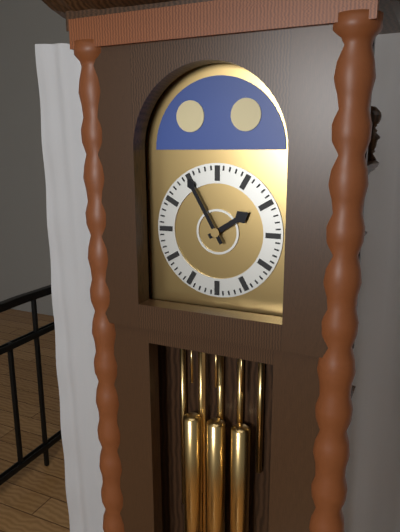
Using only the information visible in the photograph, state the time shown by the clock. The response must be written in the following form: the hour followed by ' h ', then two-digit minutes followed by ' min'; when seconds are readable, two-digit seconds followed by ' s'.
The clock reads 1 h 55 min
